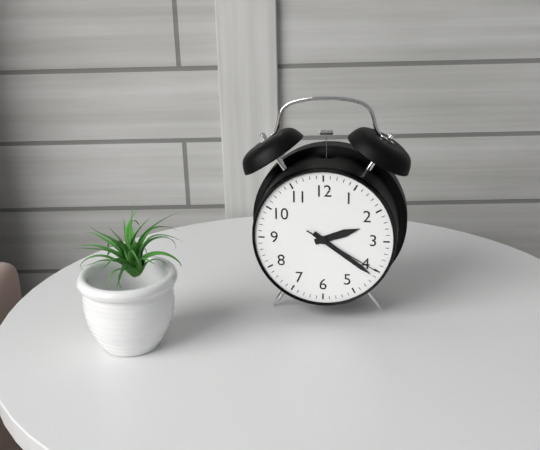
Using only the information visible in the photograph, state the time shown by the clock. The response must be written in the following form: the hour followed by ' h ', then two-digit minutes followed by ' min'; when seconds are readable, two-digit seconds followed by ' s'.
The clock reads 2 h 21 min 20 s
